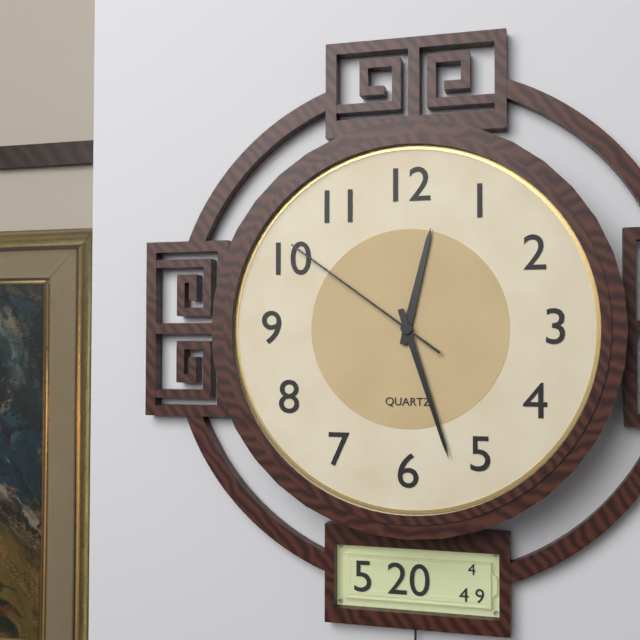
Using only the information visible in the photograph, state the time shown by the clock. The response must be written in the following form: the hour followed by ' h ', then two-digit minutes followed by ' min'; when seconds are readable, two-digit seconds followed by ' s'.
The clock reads 12 h 27 min 51 s
